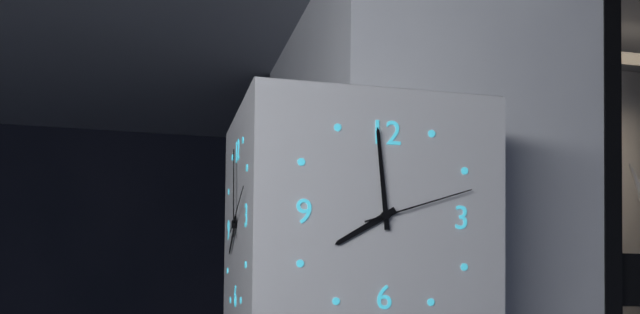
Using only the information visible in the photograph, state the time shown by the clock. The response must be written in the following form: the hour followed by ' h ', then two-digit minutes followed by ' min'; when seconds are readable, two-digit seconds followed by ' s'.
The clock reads 7 h 59 min 12 s
